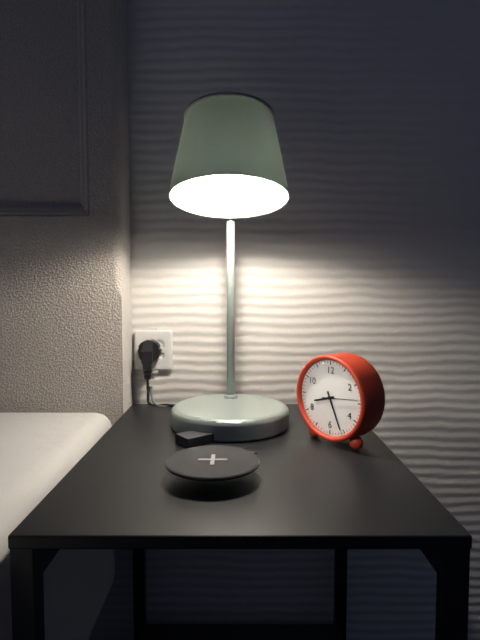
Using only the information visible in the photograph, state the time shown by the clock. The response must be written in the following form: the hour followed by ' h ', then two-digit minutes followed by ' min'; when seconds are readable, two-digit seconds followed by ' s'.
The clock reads 8 h 26 min
